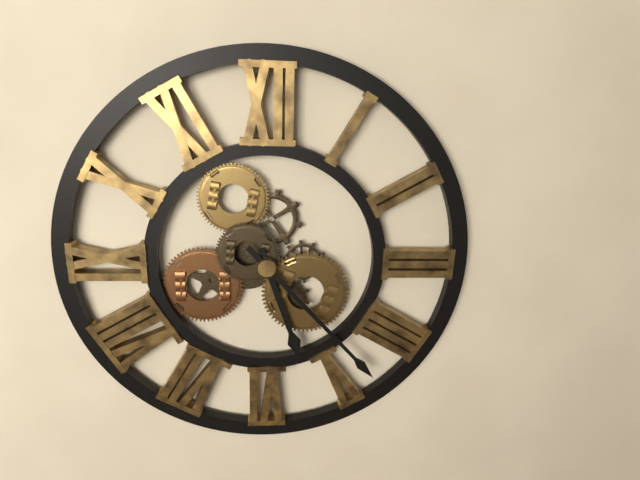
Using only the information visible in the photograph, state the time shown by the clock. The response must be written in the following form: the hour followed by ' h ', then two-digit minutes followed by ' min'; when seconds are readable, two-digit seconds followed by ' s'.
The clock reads 5 h 23 min
